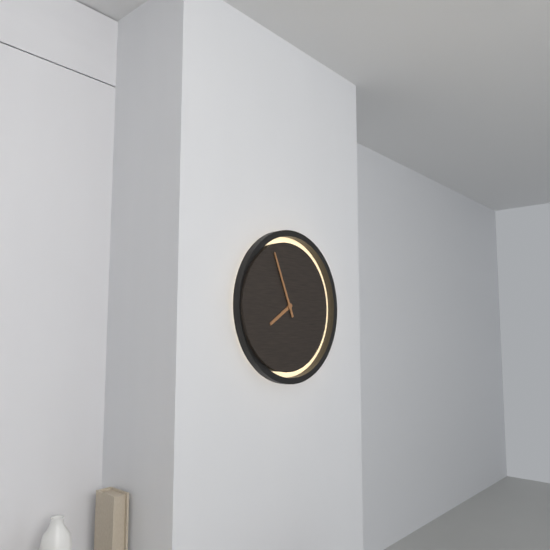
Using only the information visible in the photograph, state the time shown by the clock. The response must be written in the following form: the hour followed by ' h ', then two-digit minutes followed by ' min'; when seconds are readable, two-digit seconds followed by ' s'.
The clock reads 7 h 56 min
